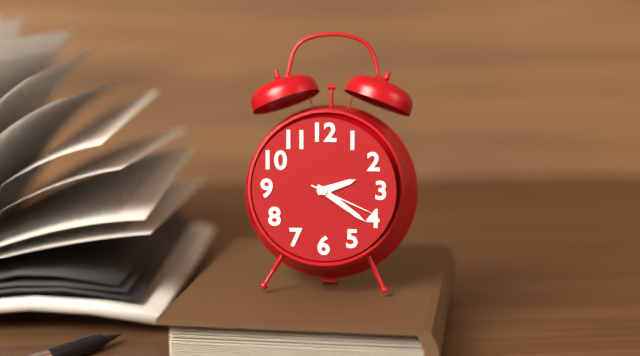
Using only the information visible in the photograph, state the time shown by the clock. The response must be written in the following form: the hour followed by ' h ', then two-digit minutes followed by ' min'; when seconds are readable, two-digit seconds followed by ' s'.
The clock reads 2 h 21 min 19 s
